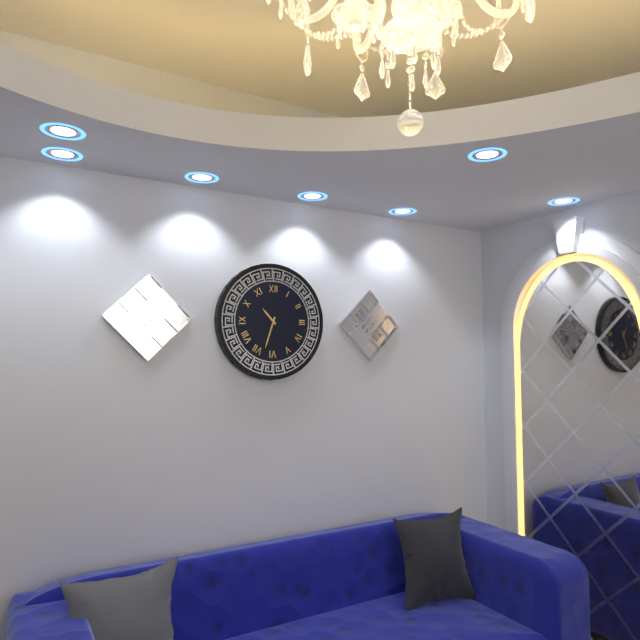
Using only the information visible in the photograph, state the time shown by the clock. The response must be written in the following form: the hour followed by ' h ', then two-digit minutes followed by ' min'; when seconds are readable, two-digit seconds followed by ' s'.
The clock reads 10 h 33 min
